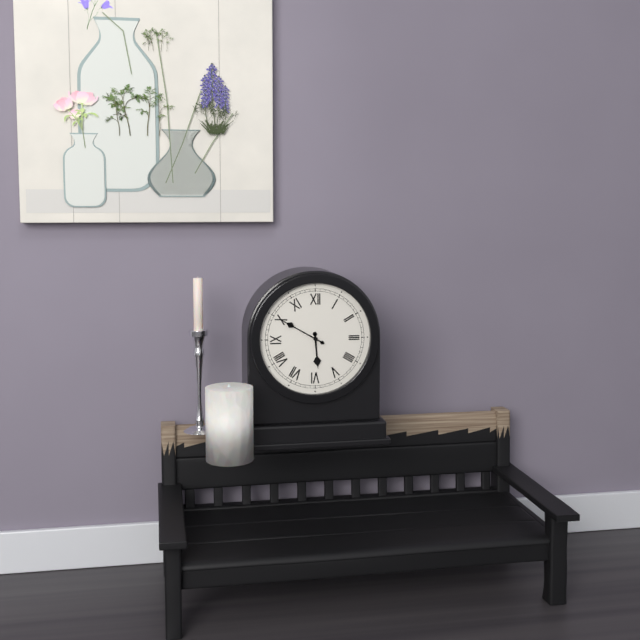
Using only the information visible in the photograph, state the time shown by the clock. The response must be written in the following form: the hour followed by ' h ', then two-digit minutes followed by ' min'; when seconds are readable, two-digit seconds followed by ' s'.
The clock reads 5 h 50 min
